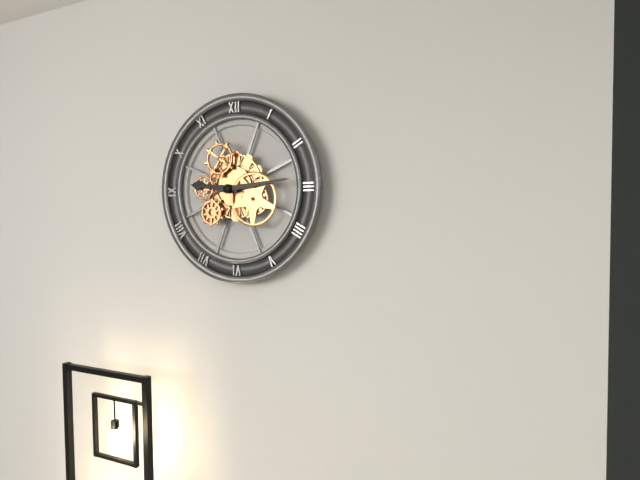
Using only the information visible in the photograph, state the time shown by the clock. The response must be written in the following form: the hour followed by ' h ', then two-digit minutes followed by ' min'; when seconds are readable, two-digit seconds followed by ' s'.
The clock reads 9 h 14 min
